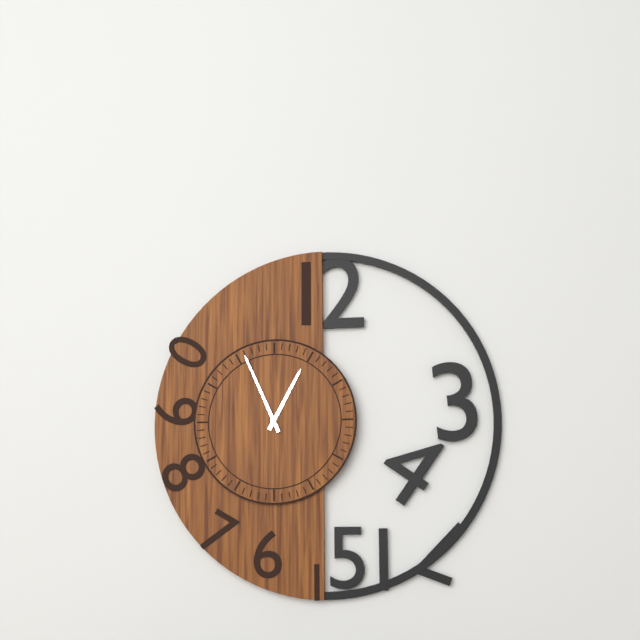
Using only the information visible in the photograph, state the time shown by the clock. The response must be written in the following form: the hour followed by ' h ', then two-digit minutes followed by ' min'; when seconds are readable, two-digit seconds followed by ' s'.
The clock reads 12 h 56 min
